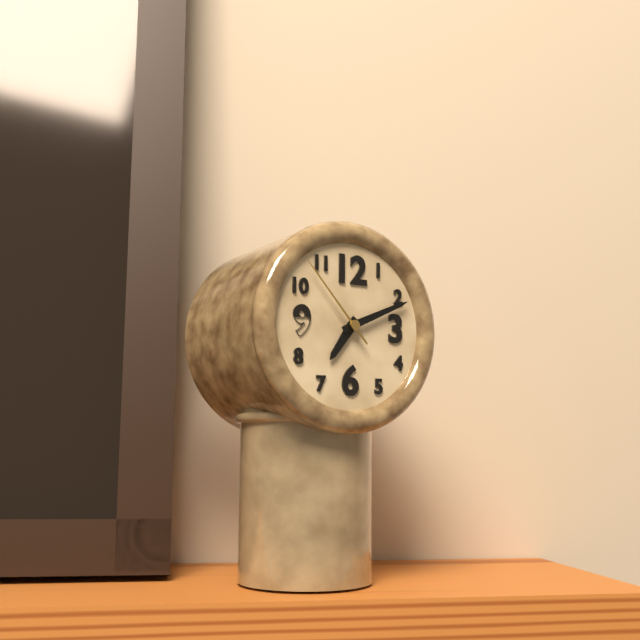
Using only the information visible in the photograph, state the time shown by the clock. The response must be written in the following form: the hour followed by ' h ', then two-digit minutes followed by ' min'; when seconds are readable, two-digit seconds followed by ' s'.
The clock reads 7 h 11 min 53 s
